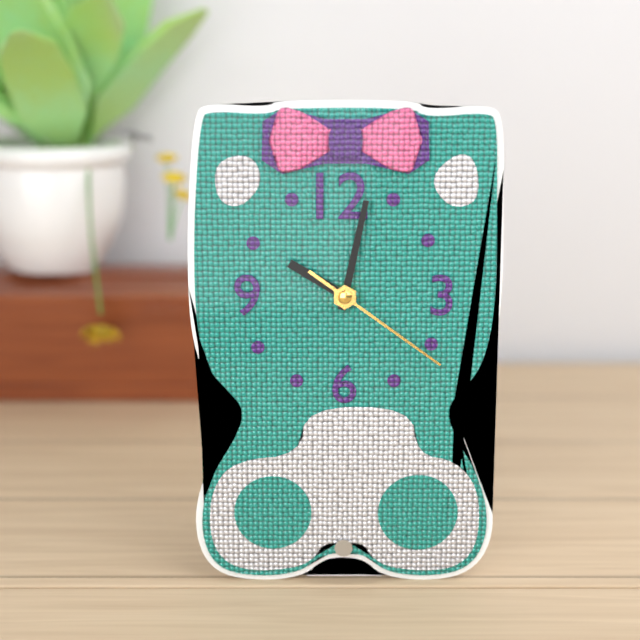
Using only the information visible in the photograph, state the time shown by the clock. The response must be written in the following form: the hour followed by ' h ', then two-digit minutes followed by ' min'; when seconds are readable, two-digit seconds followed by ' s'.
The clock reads 10 h 02 min 21 s
